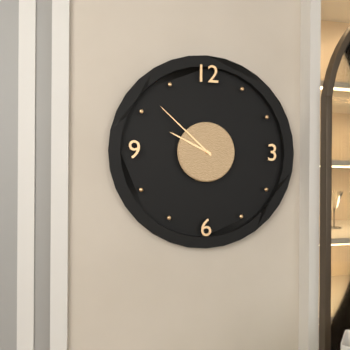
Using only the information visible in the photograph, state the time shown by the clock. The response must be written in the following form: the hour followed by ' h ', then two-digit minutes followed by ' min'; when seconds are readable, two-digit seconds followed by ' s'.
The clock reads 9 h 52 min
